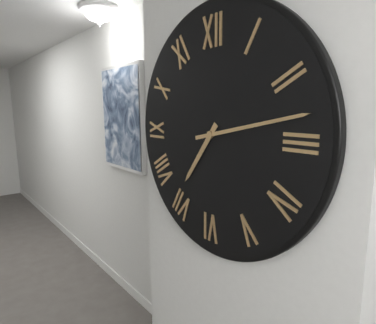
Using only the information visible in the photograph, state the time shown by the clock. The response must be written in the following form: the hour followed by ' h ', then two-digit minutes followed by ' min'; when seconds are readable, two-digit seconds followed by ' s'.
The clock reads 7 h 13 min
